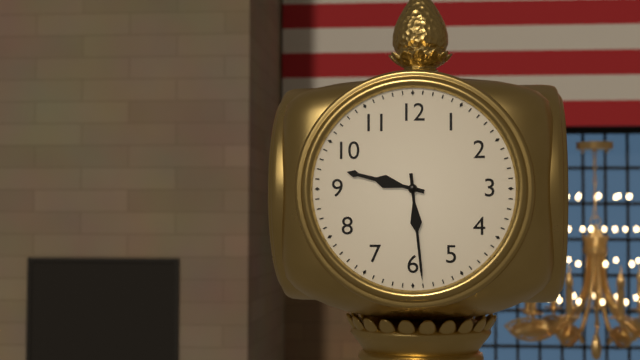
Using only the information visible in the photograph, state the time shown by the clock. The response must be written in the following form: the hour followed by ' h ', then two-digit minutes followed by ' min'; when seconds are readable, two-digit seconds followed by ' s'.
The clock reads 9 h 29 min
